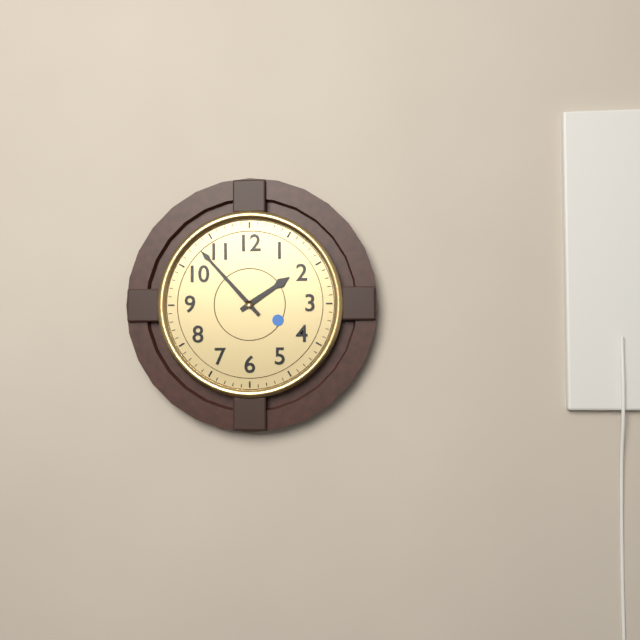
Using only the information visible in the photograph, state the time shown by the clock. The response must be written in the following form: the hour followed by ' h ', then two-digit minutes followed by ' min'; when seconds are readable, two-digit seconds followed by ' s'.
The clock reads 1 h 53 min
